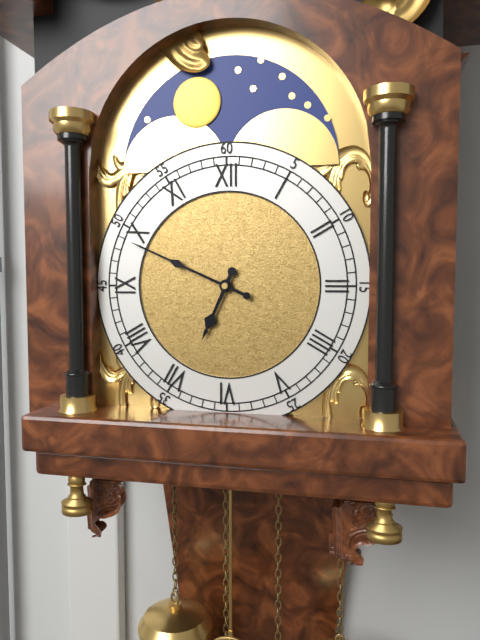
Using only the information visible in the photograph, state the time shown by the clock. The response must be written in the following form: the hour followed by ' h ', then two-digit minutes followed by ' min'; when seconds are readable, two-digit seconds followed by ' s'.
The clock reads 6 h 49 min
